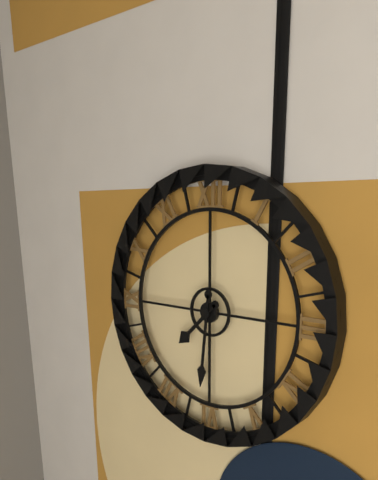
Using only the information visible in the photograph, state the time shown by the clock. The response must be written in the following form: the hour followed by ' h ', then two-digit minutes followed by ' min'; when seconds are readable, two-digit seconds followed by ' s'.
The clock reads 7 h 31 min
